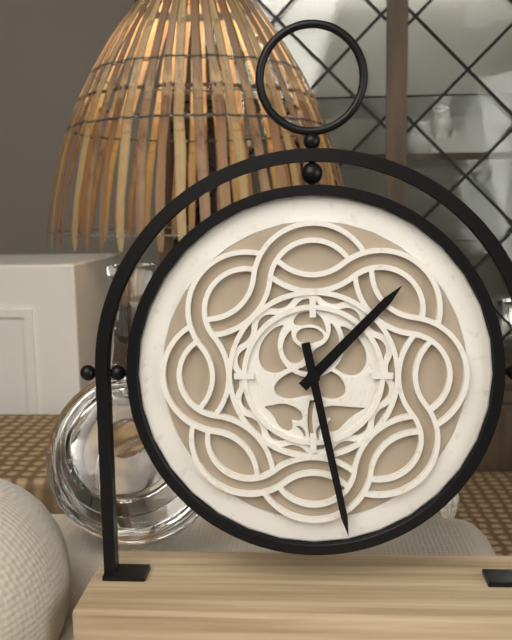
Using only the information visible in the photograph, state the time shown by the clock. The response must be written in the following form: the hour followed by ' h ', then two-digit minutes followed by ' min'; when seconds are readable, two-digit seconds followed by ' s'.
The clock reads 1 h 28 min
